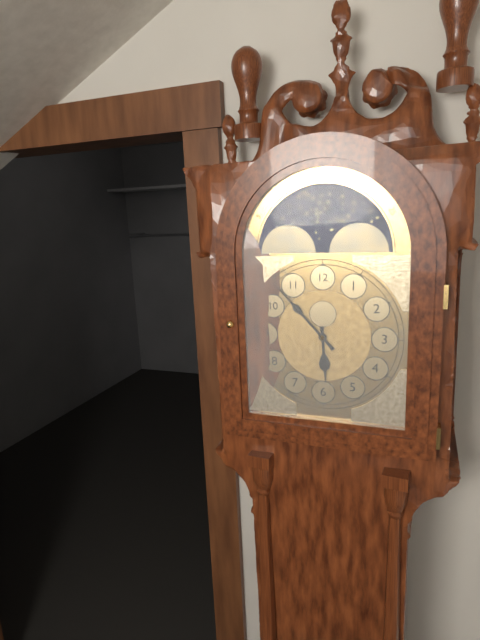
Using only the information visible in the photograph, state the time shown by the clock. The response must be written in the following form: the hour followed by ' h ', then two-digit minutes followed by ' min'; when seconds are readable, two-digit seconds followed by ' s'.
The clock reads 5 h 53 min
